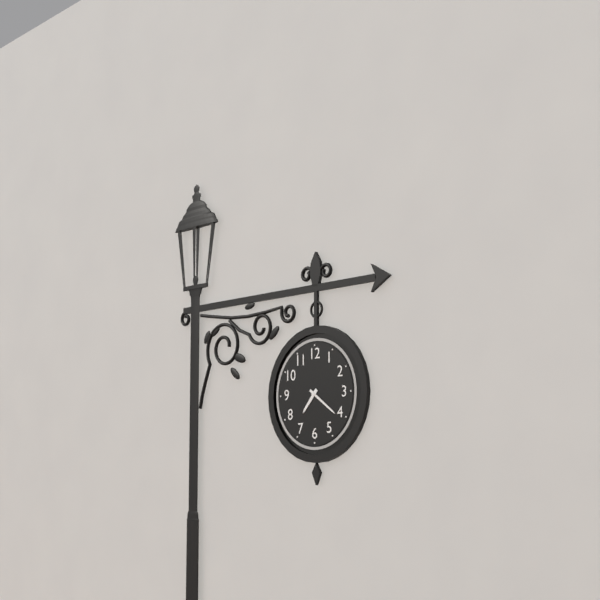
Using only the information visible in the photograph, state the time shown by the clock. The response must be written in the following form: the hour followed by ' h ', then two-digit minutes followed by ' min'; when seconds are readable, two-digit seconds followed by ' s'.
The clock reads 7 h 21 min
